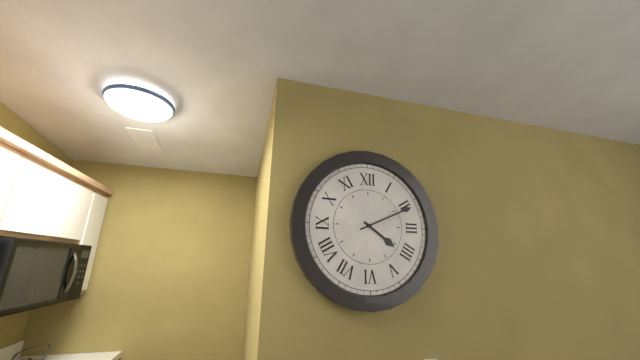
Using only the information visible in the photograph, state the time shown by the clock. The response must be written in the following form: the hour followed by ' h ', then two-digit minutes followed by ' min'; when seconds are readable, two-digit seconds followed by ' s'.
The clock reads 4 h 11 min
